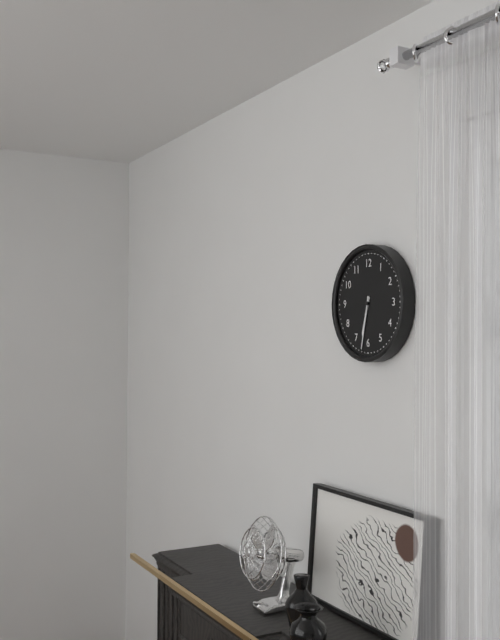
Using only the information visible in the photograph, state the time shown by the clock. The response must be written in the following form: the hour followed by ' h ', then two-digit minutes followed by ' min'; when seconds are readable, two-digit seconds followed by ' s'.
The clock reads 6 h 32 min
